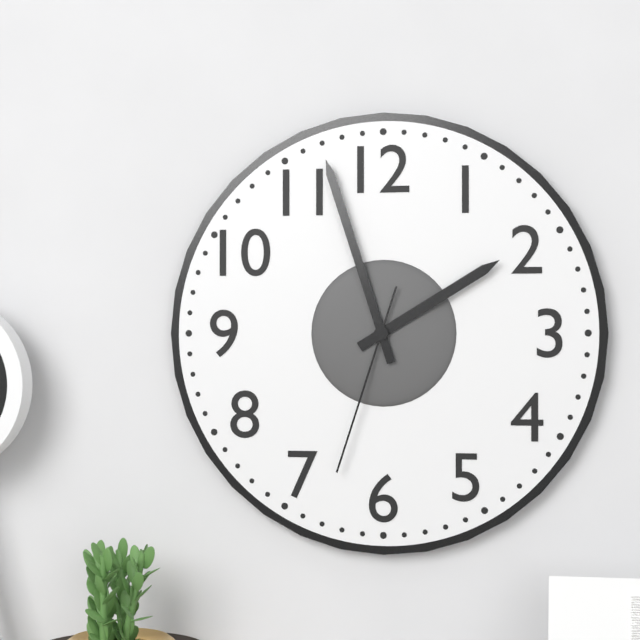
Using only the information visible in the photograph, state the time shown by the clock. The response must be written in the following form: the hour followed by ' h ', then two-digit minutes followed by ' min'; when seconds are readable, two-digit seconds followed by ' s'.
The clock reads 1 h 57 min 33 s
